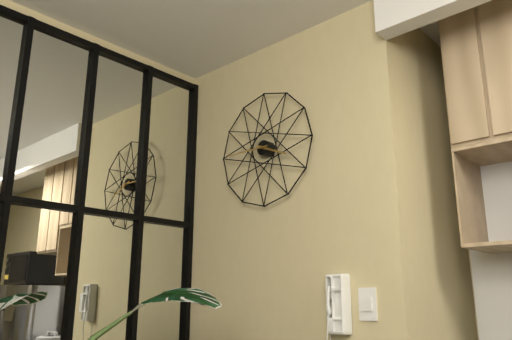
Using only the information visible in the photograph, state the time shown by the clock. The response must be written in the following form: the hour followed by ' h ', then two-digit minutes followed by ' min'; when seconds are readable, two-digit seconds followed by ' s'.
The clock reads 3 h 45 min
